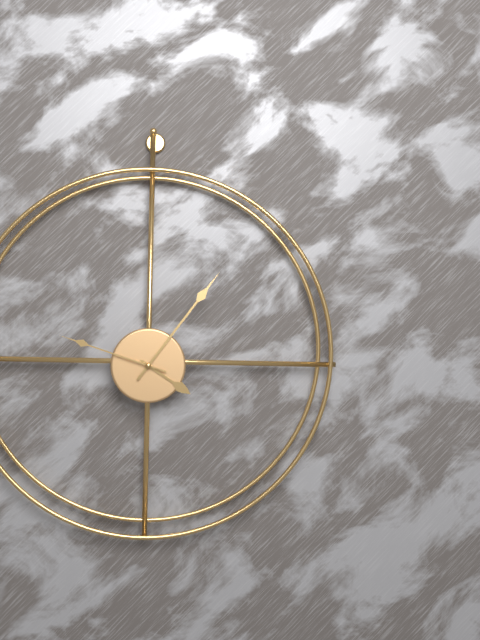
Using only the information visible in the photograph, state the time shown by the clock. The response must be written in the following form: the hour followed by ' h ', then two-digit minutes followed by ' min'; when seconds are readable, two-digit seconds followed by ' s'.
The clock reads 4 h 06 min 48 s
